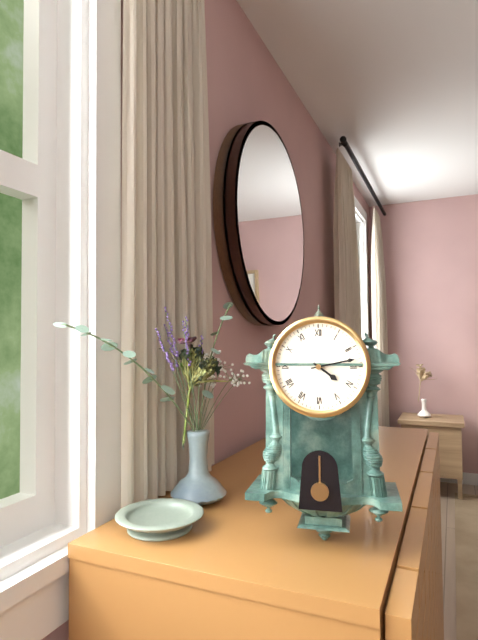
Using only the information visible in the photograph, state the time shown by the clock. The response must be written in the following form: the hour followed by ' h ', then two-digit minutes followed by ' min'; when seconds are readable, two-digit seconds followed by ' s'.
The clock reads 4 h 13 min
